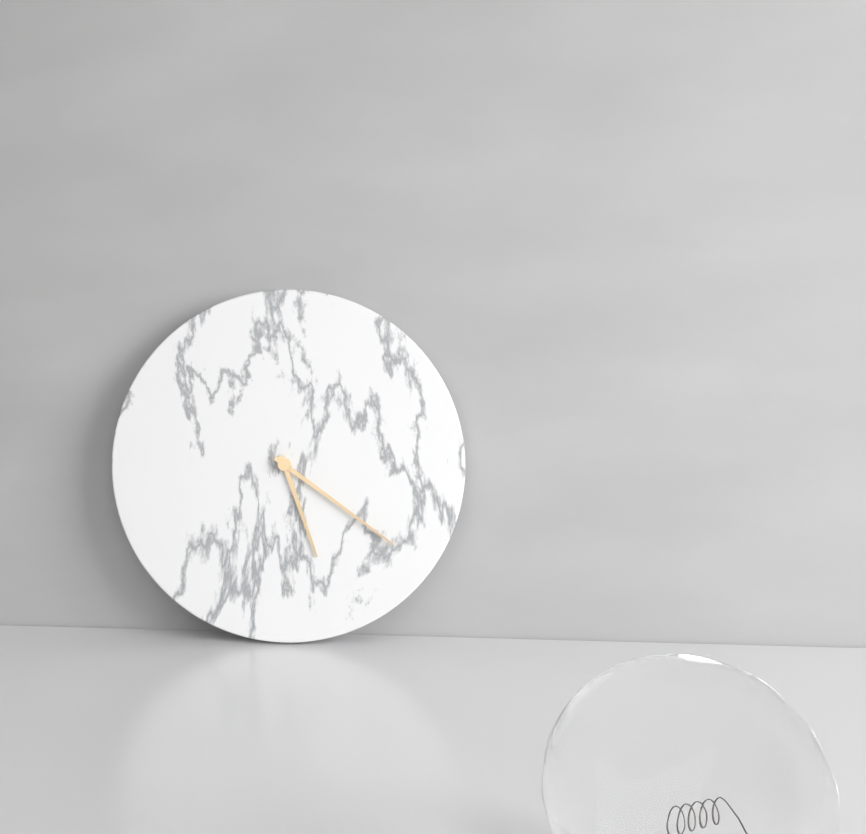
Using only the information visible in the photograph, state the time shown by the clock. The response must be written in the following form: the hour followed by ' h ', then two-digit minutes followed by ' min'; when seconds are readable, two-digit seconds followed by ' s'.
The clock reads 5 h 21 min
